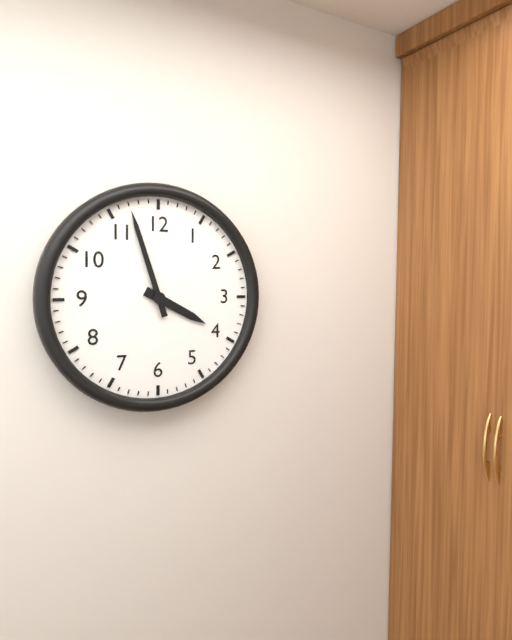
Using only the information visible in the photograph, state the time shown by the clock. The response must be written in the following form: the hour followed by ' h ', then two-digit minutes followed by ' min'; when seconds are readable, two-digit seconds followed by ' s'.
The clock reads 3 h 57 min
